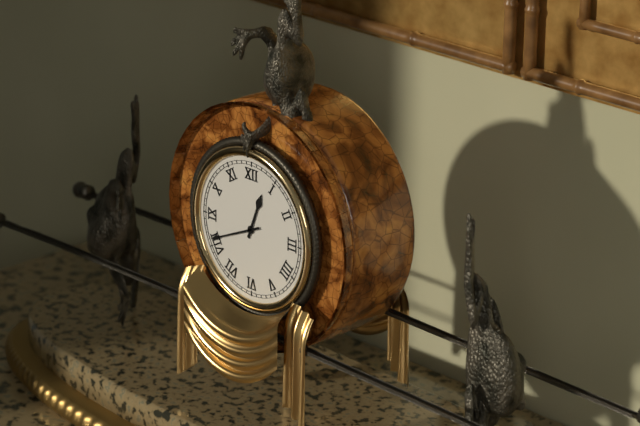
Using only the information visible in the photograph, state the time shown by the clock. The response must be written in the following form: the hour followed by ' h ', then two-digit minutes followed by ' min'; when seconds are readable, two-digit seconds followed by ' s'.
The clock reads 12 h 41 min
